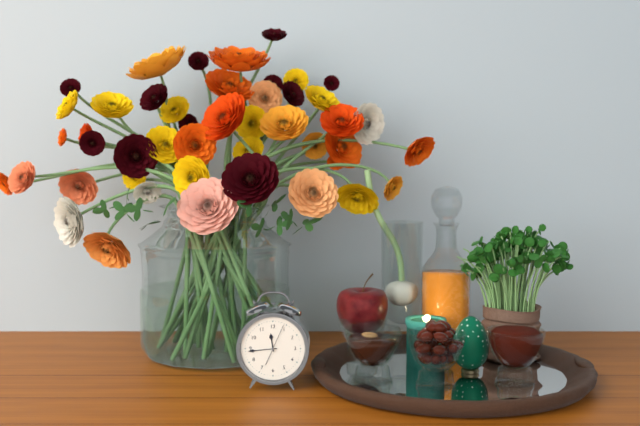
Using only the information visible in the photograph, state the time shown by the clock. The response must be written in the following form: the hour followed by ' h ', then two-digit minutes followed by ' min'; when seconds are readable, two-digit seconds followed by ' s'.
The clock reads 11 h 44 min
